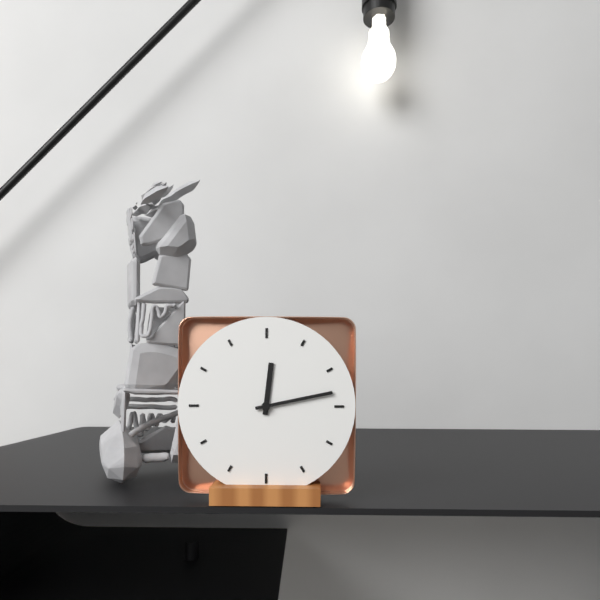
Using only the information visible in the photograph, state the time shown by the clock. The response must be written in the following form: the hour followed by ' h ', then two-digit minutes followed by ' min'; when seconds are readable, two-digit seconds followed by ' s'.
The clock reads 12 h 13 min
